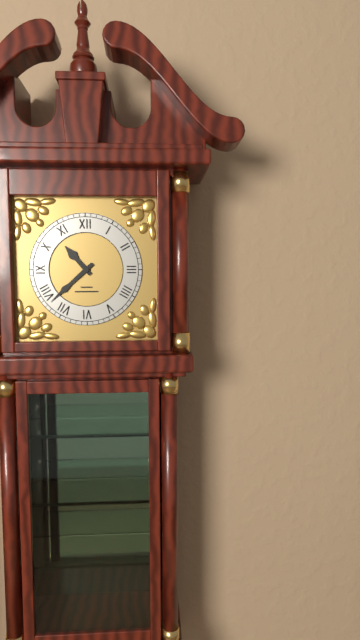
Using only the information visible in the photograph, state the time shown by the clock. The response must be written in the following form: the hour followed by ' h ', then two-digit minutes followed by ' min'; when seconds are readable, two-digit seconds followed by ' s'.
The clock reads 10 h 38 min
